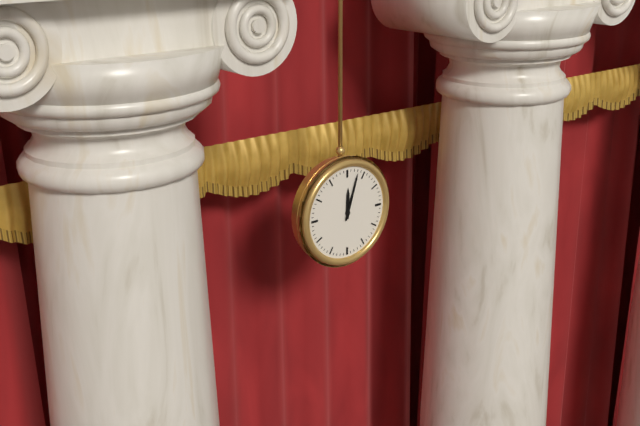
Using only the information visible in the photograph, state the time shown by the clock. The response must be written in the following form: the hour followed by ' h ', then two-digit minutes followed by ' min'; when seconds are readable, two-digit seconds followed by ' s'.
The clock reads 12 h 03 min
